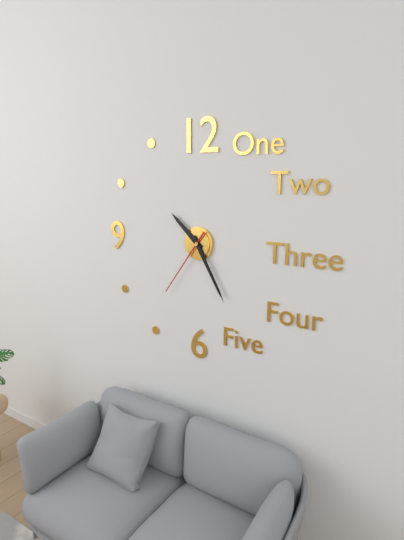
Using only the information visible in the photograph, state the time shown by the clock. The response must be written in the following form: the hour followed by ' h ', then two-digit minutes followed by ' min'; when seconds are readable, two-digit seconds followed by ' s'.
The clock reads 10 h 25 min 36 s
